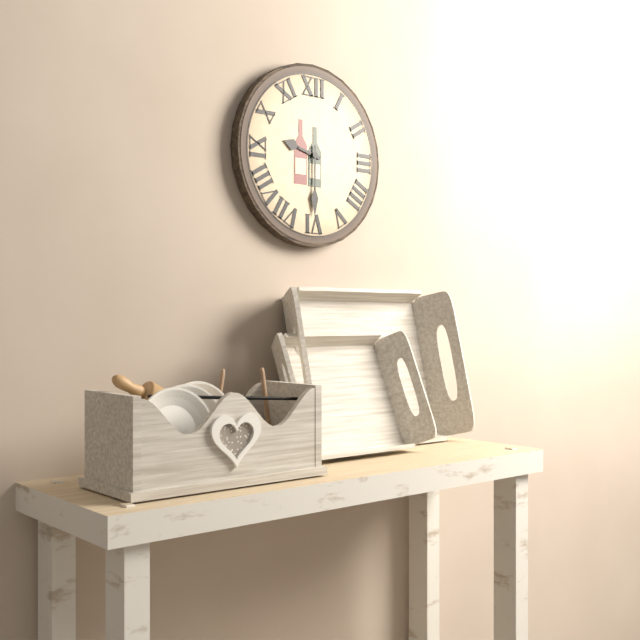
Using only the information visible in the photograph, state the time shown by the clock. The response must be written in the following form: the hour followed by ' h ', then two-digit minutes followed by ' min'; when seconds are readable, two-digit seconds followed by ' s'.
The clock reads 9 h 30 min
